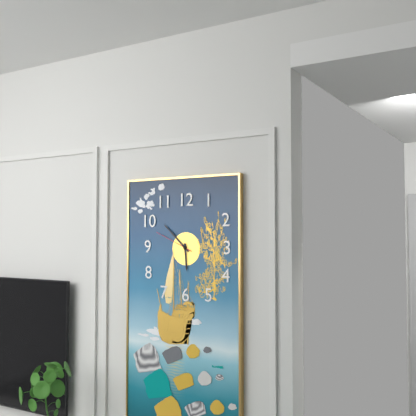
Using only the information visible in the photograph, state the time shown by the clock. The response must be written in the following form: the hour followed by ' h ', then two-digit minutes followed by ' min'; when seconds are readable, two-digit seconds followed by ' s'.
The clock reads 5 h 52 min
